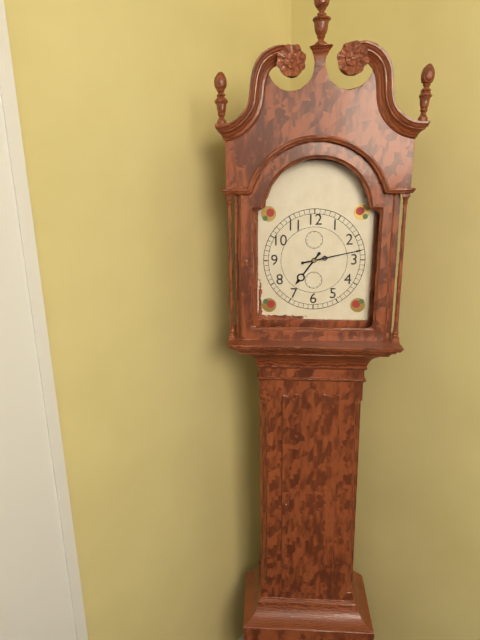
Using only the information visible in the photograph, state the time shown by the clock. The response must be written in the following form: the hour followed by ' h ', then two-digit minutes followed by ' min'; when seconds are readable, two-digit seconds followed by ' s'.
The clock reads 7 h 13 min
